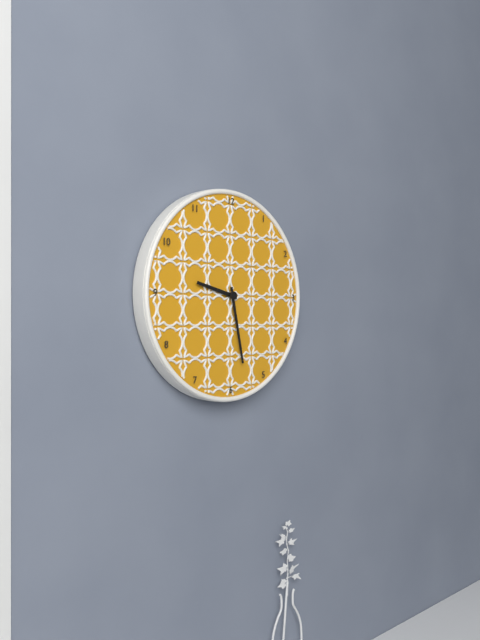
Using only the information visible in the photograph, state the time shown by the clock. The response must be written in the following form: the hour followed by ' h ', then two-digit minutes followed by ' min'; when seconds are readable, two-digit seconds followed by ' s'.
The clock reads 9 h 28 min
